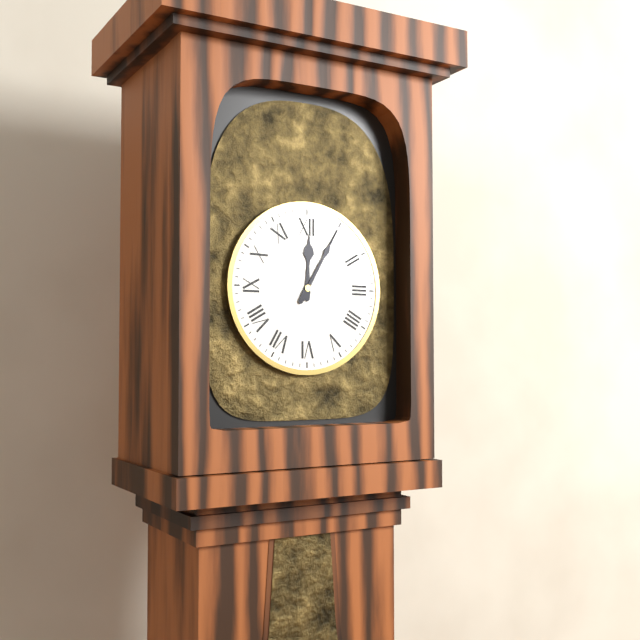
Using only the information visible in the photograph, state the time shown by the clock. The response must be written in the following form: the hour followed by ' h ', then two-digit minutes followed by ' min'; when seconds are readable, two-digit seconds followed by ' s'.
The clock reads 12 h 05 min
